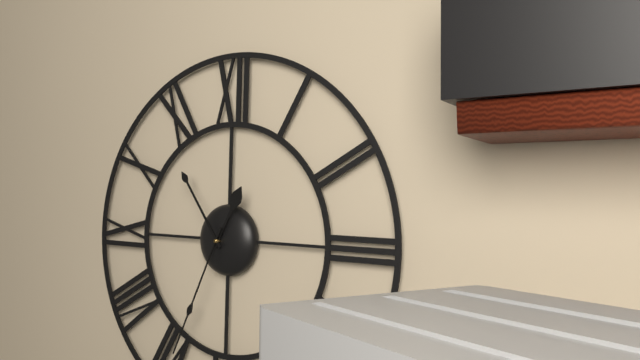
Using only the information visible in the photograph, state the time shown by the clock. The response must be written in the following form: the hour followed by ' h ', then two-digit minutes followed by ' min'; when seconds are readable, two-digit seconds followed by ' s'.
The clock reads 12 h 54 min 34 s
